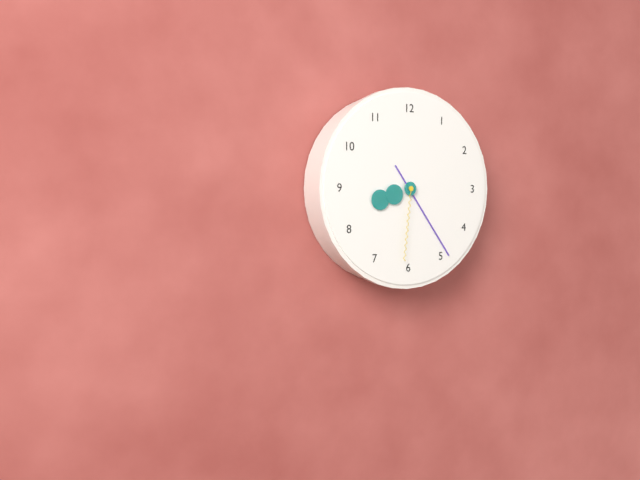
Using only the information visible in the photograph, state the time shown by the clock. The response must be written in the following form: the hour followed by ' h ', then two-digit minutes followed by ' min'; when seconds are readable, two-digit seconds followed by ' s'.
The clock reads 8 h 24 min 31 s
